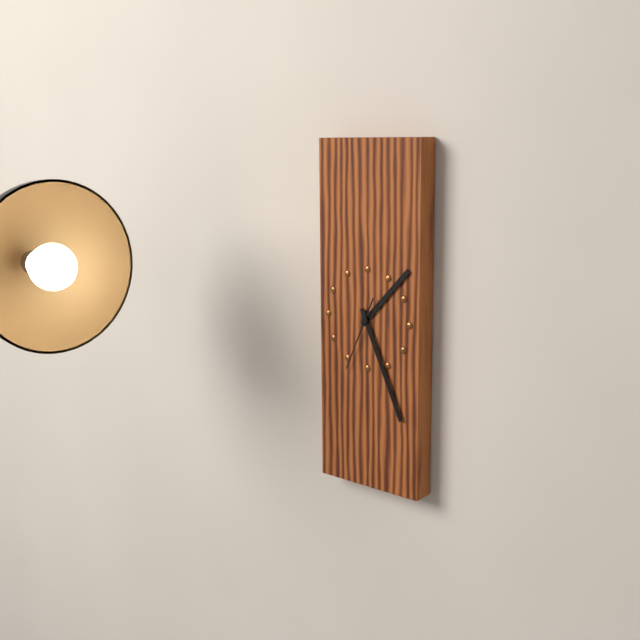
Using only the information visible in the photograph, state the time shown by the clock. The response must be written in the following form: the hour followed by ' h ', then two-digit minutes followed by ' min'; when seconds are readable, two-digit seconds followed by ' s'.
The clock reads 1 h 26 min 34 s
